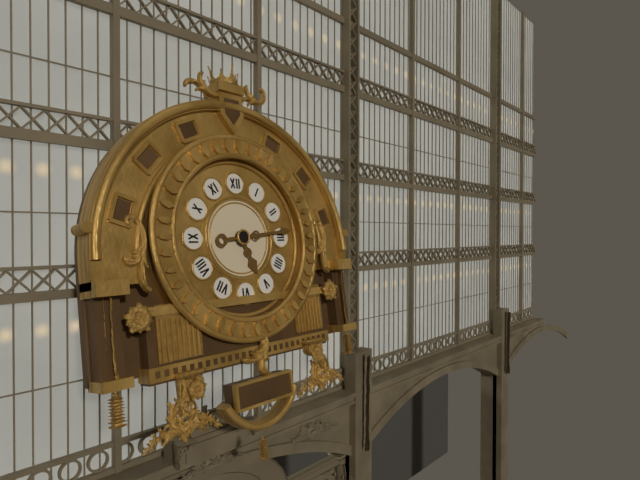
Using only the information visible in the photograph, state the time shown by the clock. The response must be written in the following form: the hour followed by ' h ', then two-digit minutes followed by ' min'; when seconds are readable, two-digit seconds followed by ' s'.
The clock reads 5 h 14 min
